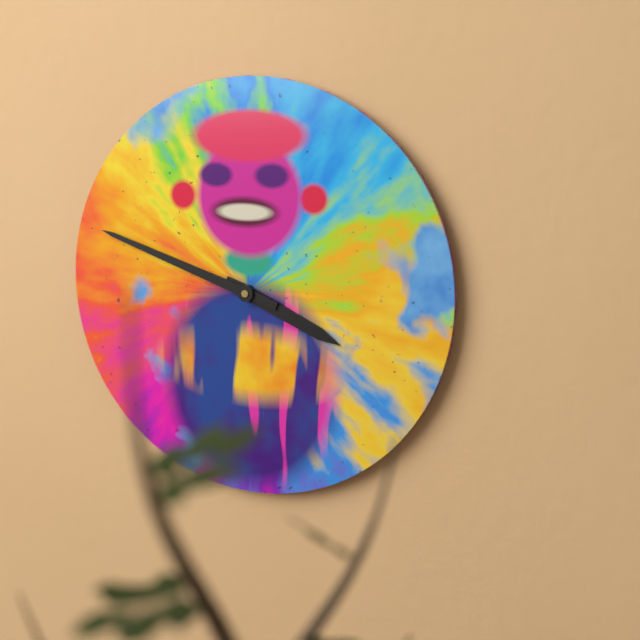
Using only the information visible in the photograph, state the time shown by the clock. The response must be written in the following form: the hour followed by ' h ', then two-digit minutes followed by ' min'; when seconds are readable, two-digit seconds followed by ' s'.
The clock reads 3 h 48 min
